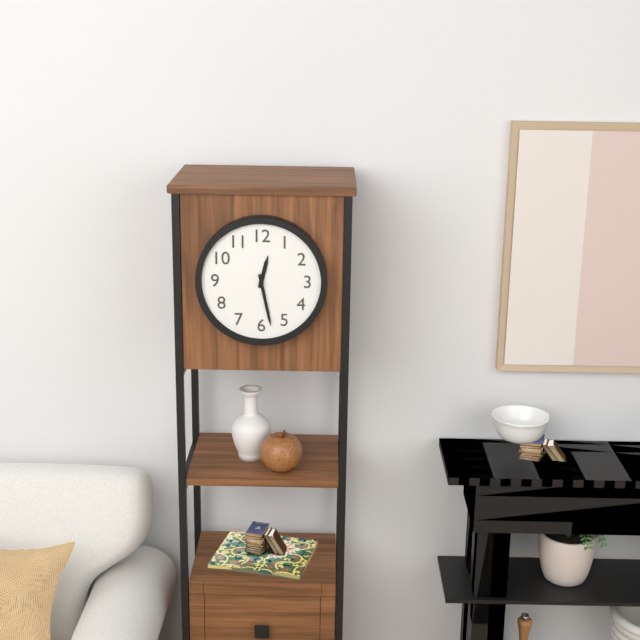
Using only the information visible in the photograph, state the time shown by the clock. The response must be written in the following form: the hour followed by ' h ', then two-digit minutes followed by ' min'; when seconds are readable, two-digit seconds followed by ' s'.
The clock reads 12 h 28 min
